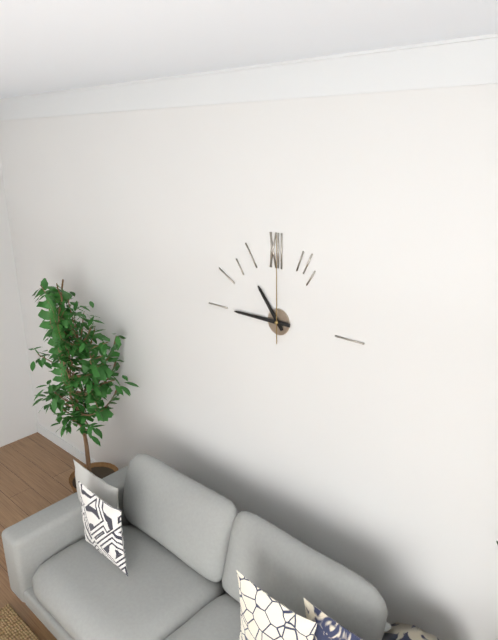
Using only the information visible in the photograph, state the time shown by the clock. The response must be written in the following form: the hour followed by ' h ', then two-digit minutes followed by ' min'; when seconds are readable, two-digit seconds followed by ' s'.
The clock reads 10 h 45 min 00 s
